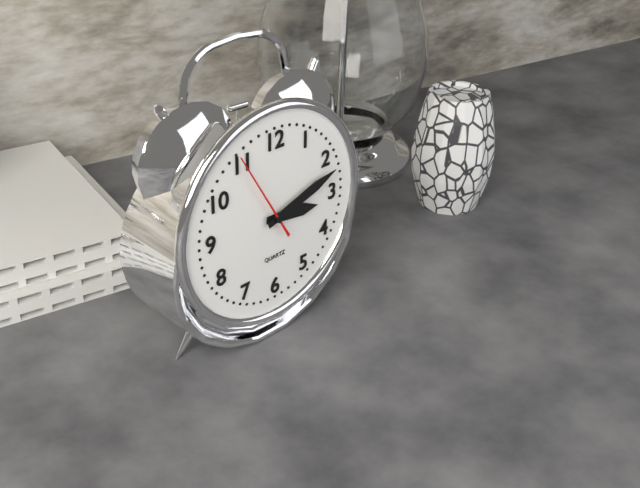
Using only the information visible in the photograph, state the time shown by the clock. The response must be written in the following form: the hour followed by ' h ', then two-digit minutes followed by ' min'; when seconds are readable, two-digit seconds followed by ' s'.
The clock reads 3 h 12 min 55 s
